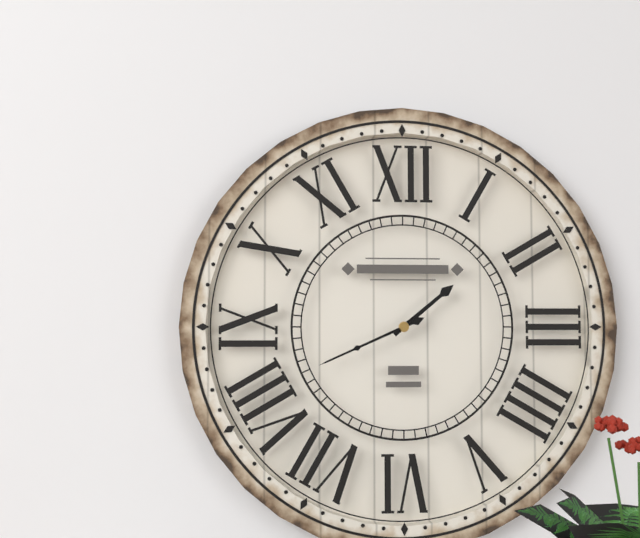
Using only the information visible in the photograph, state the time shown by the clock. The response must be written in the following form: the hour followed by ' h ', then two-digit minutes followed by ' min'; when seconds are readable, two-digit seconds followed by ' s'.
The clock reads 1 h 41 min
